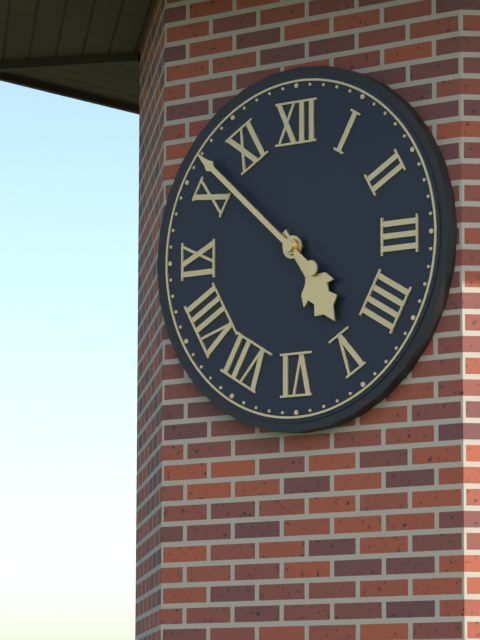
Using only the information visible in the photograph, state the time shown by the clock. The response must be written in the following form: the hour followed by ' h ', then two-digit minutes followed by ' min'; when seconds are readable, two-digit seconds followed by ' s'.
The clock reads 4 h 52 min
